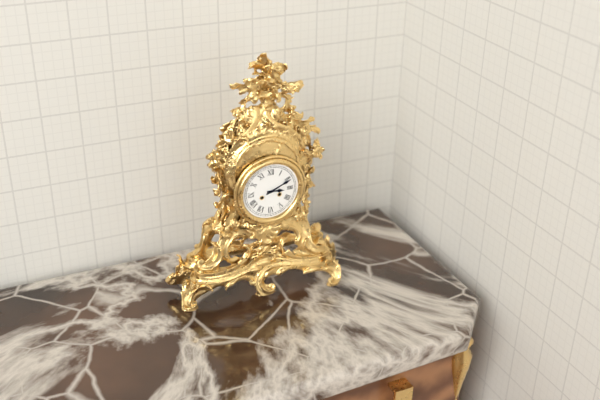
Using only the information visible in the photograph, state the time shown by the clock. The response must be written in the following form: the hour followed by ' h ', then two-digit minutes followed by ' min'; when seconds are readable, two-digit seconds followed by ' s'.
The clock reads 3 h 11 min
